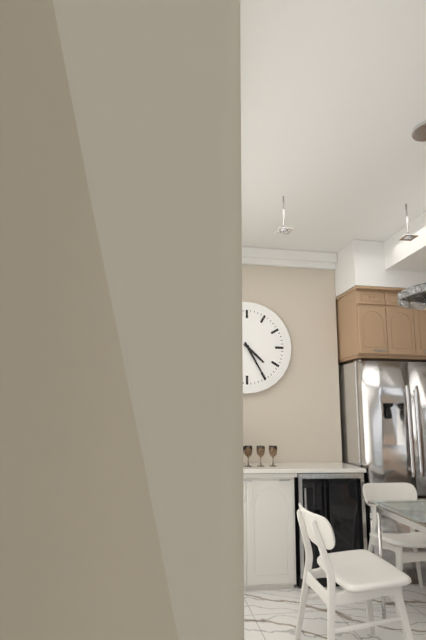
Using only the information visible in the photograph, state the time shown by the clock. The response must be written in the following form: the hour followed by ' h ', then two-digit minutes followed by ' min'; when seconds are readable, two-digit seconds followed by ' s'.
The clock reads 4 h 25 min
